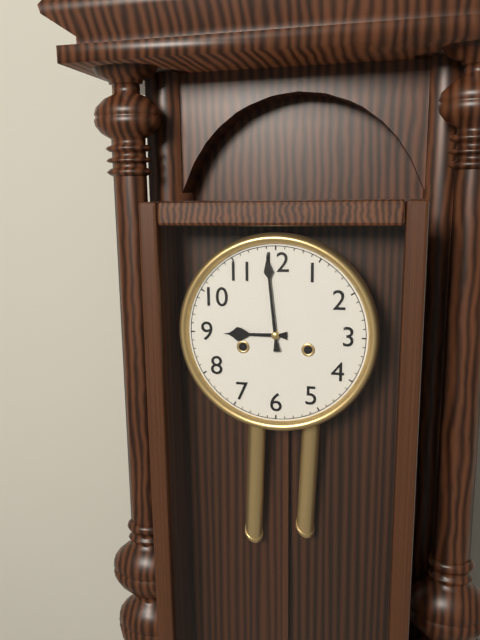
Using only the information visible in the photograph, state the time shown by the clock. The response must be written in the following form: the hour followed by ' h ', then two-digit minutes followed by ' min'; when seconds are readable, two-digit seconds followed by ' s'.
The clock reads 8 h 59 min
